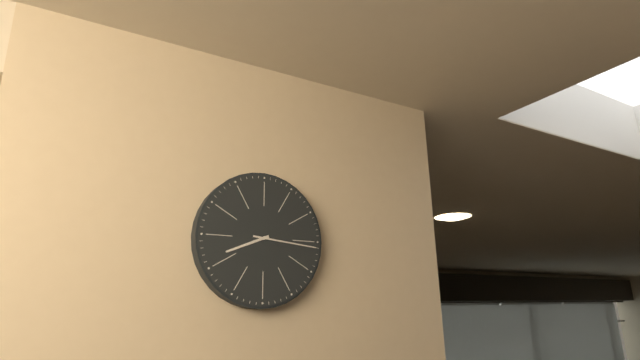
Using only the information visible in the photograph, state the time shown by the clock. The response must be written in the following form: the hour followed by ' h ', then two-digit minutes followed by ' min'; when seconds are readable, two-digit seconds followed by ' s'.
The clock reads 8 h 16 min
